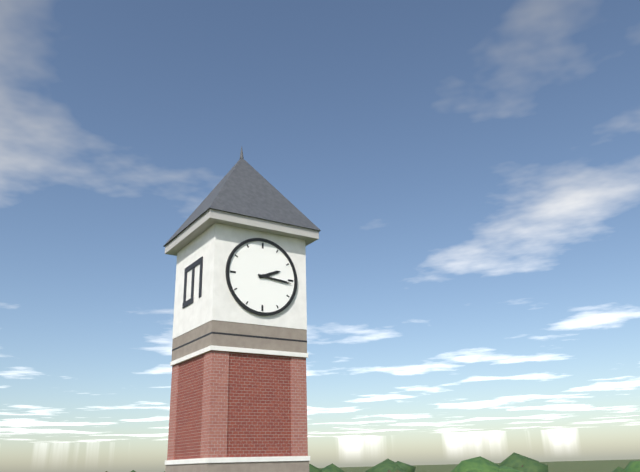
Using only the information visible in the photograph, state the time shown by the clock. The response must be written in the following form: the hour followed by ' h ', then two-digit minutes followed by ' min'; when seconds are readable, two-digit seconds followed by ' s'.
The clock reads 2 h 16 min
